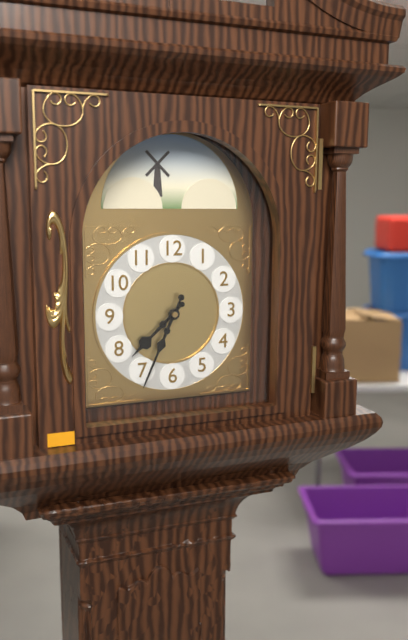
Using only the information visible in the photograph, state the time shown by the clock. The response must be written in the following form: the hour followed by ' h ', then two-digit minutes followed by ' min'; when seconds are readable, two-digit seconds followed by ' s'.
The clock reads 7 h 34 min
